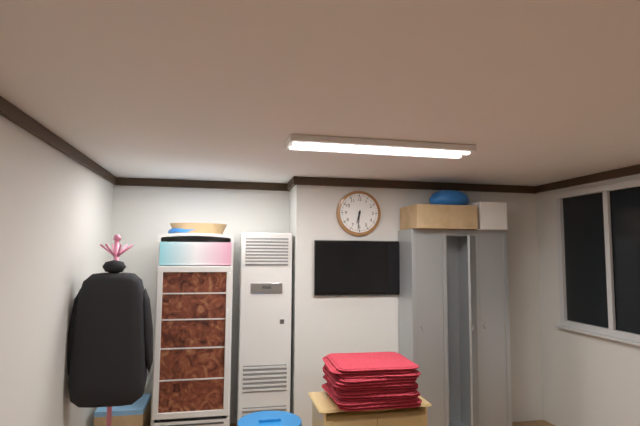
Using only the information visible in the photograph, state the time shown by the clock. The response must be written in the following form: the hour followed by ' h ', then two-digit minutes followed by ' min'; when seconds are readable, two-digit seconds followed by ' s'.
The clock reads 6 h 31 min
